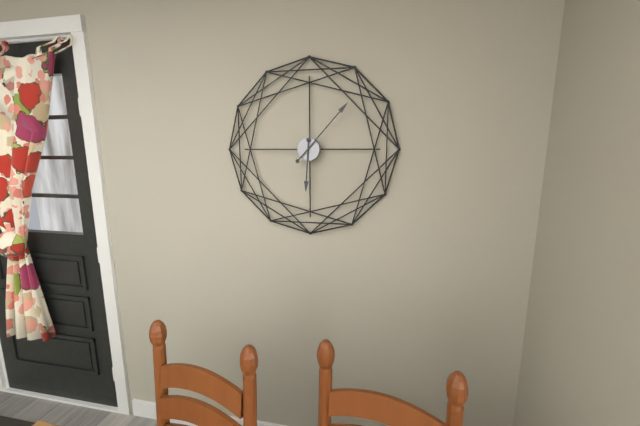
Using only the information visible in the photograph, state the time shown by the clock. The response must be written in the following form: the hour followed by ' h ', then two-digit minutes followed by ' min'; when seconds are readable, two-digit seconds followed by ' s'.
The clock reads 6 h 07 min
